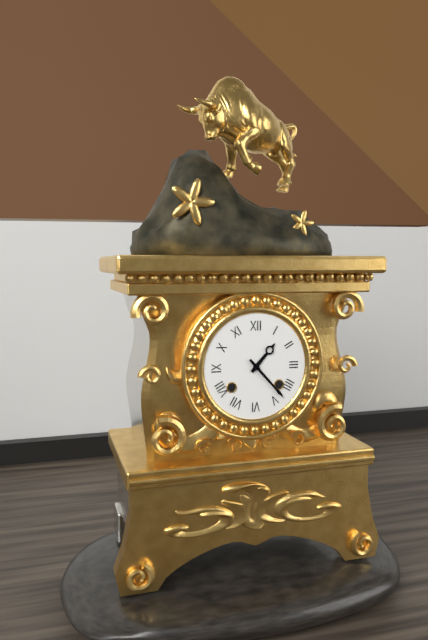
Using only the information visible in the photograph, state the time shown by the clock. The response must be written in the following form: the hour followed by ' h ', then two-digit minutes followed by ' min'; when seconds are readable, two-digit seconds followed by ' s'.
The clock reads 1 h 23 min
